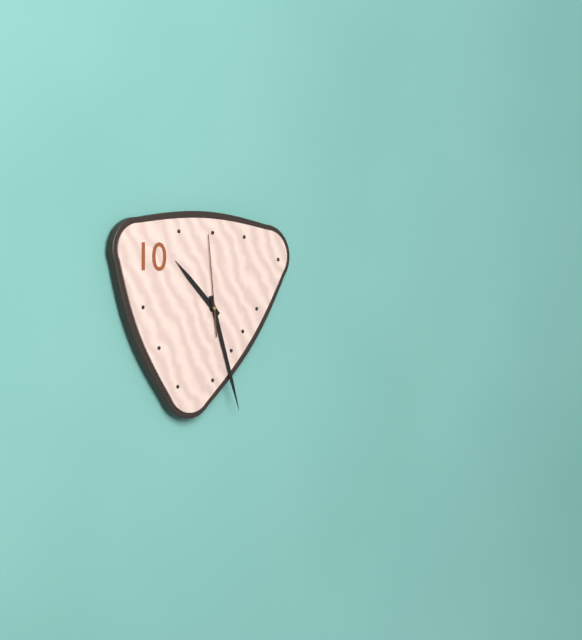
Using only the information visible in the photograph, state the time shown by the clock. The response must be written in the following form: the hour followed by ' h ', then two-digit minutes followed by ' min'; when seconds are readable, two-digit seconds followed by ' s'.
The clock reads 10 h 27 min 59 s
